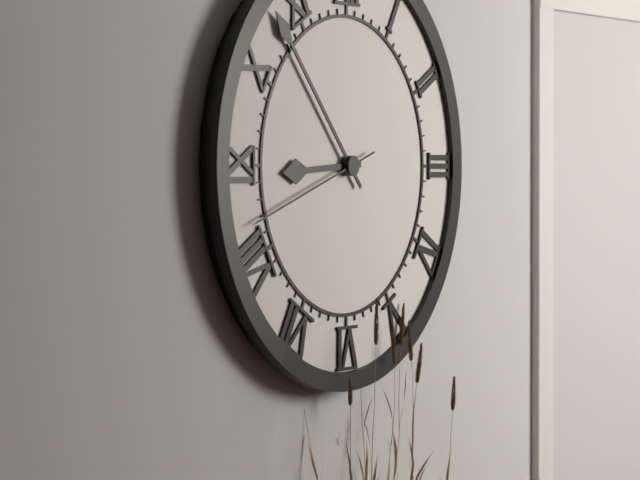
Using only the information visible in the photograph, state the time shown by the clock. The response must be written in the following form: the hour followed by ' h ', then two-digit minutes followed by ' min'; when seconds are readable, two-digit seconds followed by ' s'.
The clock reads 8 h 53 min 42 s
